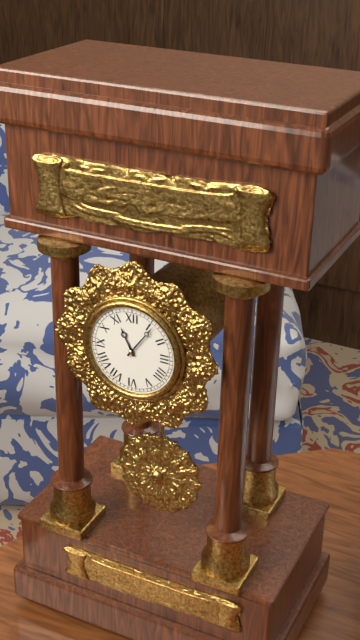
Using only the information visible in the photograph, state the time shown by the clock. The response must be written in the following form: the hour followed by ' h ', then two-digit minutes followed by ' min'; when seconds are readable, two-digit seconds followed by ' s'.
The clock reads 11 h 06 min
